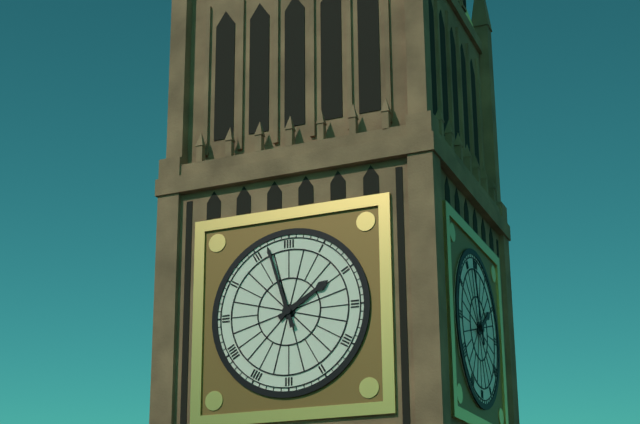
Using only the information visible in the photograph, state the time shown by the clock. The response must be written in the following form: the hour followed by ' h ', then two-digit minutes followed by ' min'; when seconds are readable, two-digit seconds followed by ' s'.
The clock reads 1 h 57 min
